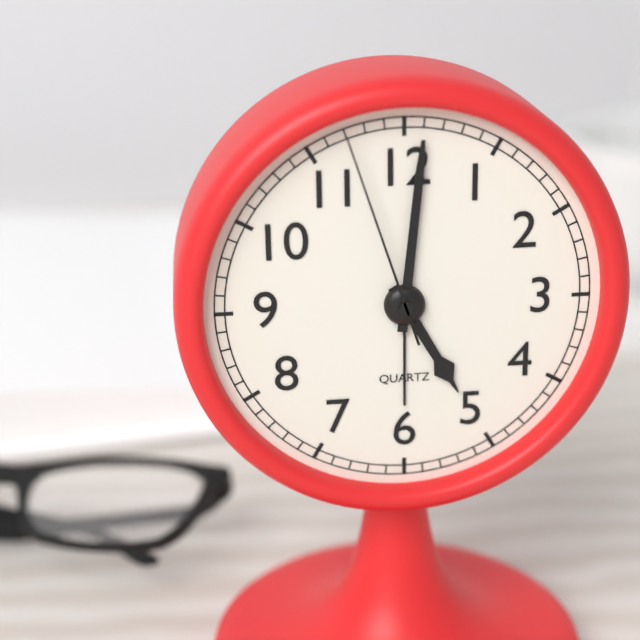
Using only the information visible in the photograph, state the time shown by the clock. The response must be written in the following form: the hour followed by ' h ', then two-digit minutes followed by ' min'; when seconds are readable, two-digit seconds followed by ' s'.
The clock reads 5 h 01 min 57 s
